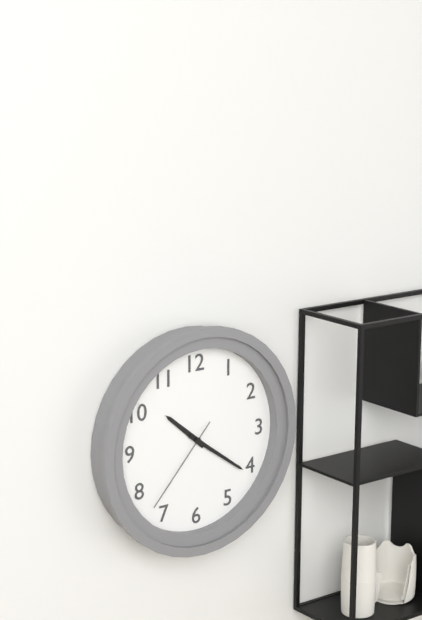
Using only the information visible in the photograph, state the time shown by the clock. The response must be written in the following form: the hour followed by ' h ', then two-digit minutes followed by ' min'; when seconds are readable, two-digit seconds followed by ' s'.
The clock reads 10 h 21 min 37 s
